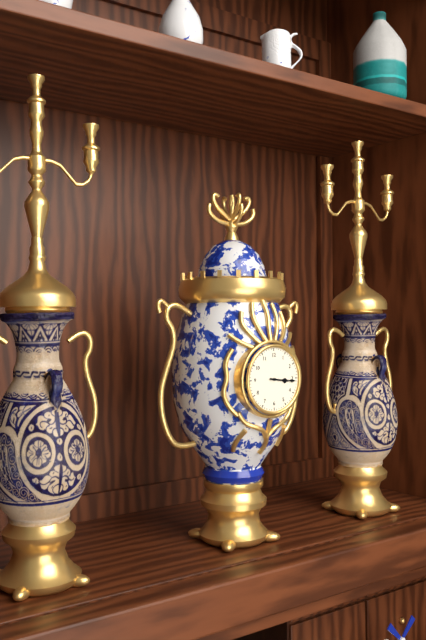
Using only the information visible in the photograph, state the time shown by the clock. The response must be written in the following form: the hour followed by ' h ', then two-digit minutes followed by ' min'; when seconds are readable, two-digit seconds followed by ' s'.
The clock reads 3 h 16 min
